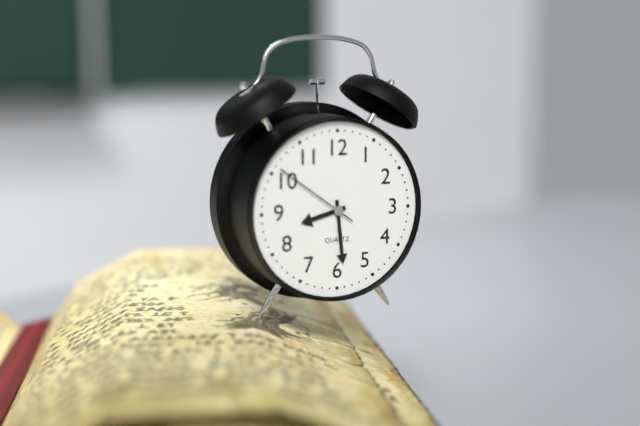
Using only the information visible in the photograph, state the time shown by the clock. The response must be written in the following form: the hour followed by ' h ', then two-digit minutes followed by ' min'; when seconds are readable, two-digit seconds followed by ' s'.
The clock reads 8 h 29 min 51 s
